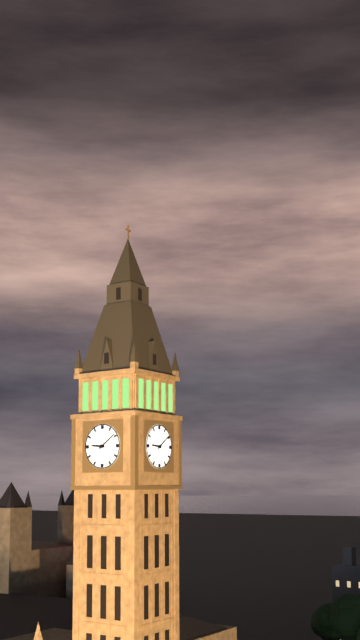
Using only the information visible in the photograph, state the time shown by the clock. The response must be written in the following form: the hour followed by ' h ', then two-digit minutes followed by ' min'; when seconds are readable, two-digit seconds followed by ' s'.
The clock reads 9 h 09 min
